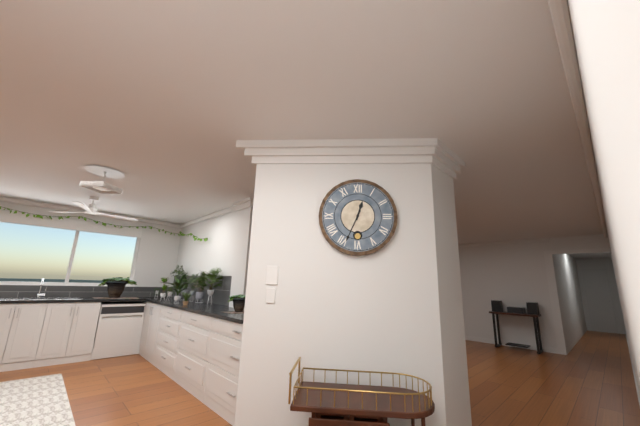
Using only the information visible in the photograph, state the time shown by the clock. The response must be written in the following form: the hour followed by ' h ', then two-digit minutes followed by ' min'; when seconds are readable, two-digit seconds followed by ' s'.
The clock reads 12 h 34 min
